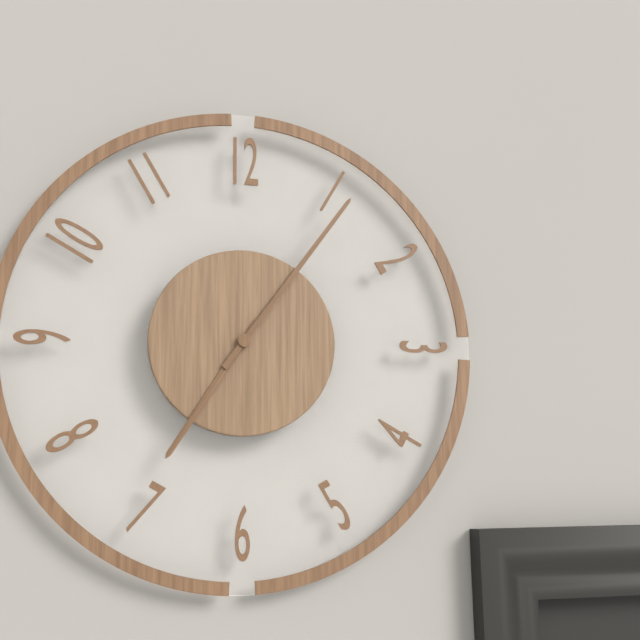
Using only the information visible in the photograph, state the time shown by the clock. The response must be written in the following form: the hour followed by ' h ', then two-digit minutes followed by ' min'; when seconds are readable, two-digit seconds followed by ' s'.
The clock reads 7 h 06 min
